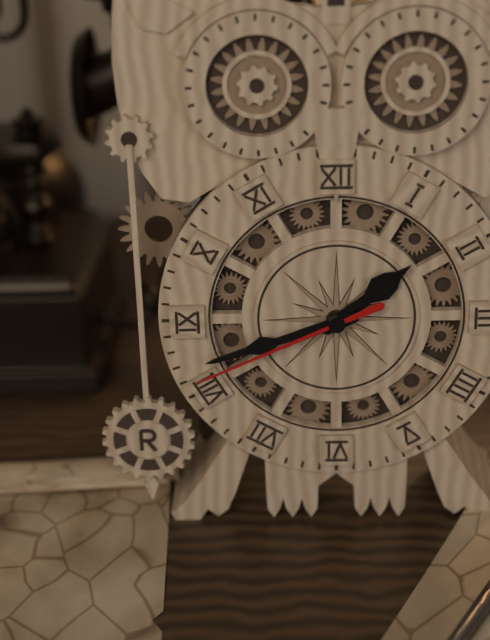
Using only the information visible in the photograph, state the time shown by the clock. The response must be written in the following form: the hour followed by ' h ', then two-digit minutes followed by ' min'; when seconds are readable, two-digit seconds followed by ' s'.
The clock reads 1 h 42 min 41 s
